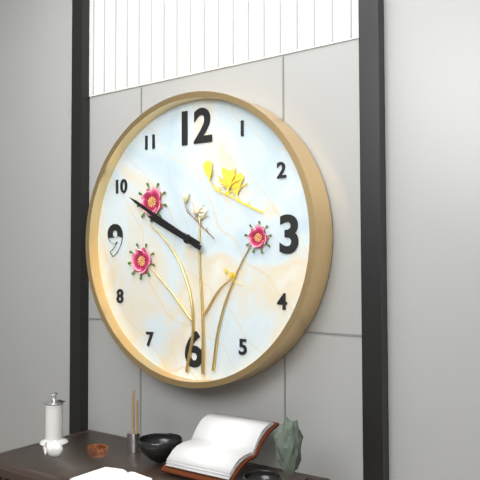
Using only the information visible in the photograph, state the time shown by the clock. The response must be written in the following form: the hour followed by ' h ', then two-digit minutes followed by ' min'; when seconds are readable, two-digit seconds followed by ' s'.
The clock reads 9 h 50 min
